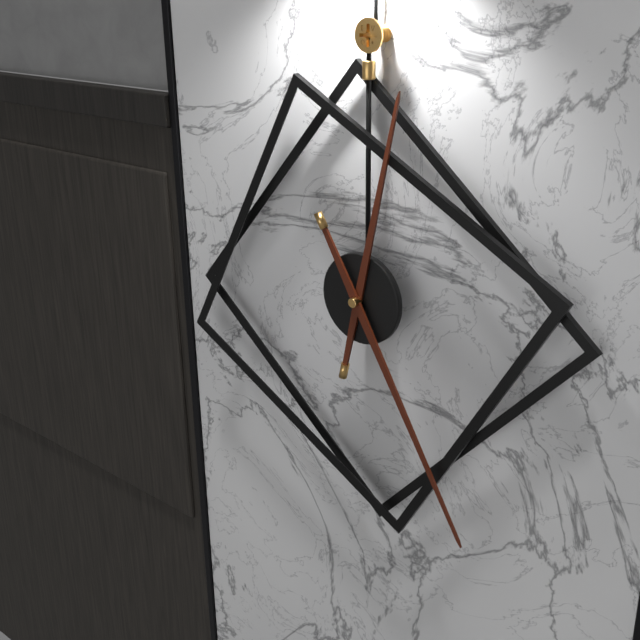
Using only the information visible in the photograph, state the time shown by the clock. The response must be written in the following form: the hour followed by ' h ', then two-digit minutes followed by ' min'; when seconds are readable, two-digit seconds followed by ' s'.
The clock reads 12 h 25 min
